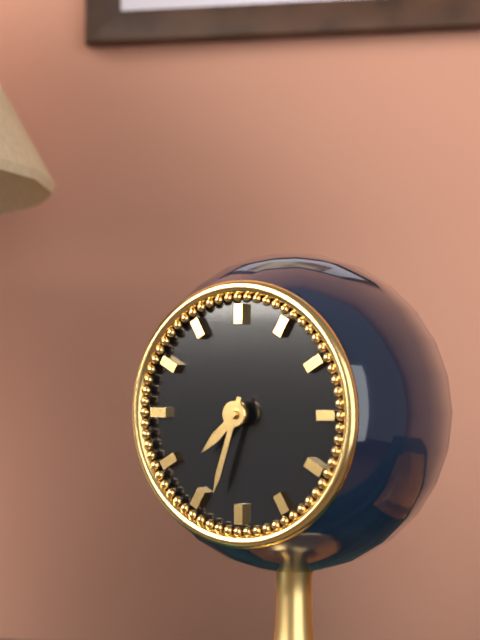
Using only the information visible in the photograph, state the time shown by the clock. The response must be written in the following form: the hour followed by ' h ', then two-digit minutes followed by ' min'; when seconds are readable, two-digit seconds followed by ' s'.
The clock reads 7 h 33 min
